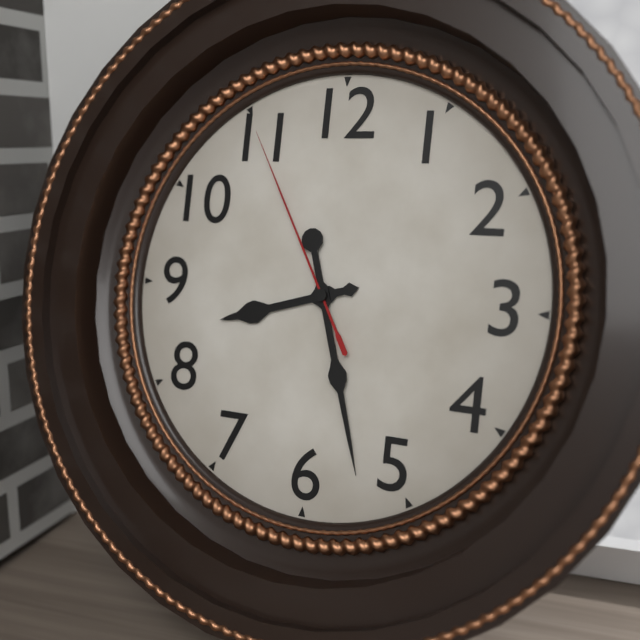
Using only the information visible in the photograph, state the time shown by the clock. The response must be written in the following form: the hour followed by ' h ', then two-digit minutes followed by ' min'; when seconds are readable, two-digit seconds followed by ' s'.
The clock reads 8 h 27 min 55 s
